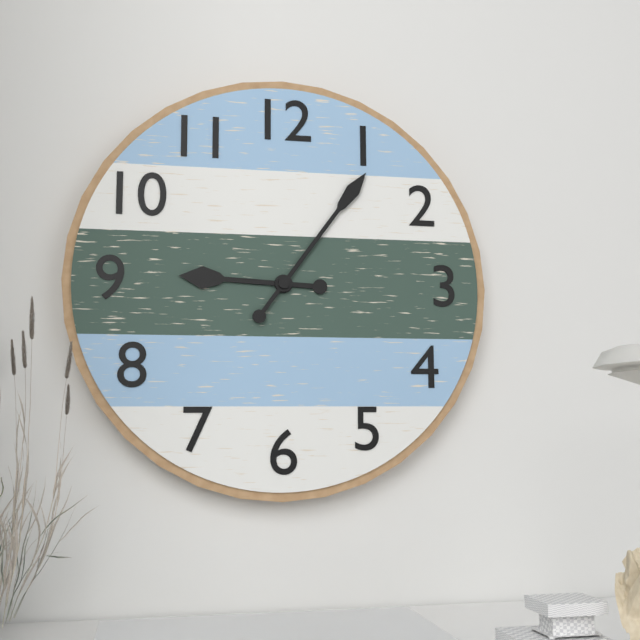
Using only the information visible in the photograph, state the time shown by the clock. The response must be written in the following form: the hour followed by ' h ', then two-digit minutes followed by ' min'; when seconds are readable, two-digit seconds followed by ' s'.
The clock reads 9 h 06 min
